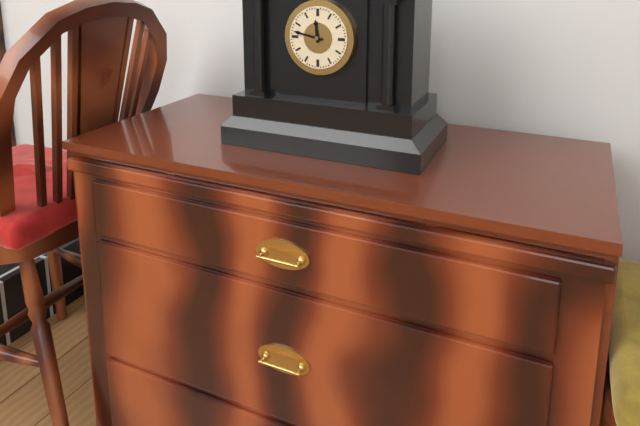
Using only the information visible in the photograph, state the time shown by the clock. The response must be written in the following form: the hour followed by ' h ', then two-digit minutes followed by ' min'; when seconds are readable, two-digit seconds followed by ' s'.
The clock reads 11 h 47 min
